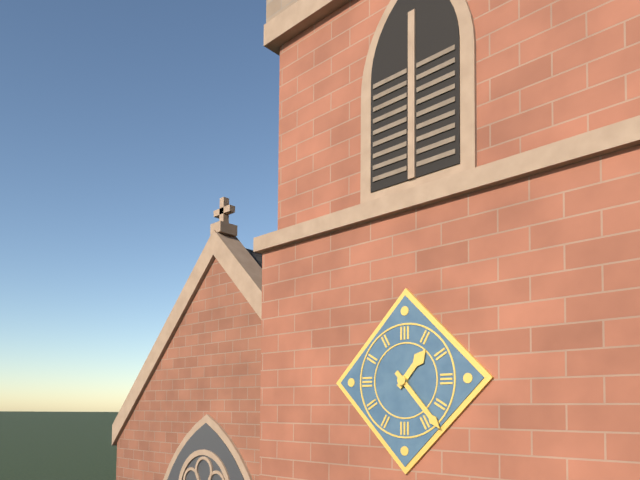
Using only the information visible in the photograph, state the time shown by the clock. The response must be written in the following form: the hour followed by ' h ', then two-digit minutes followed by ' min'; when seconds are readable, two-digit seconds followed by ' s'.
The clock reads 1 h 23 min
